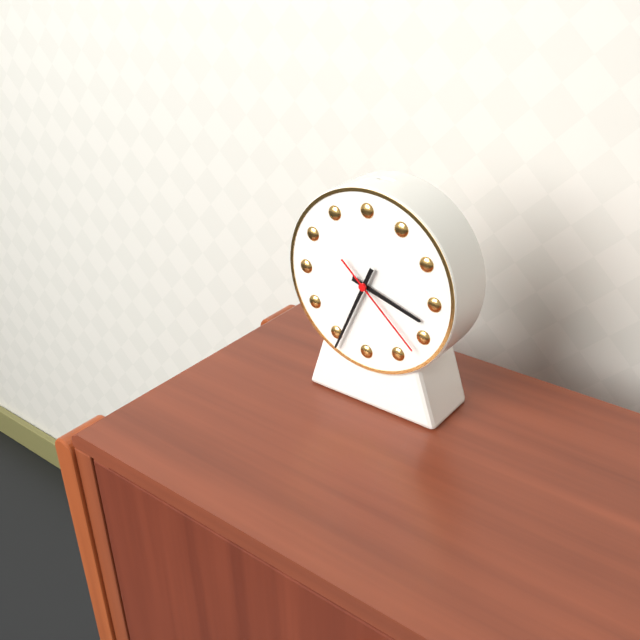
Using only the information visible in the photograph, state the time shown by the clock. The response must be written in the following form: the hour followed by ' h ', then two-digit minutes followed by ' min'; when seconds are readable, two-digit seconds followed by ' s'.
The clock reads 3 h 34 min 22 s
